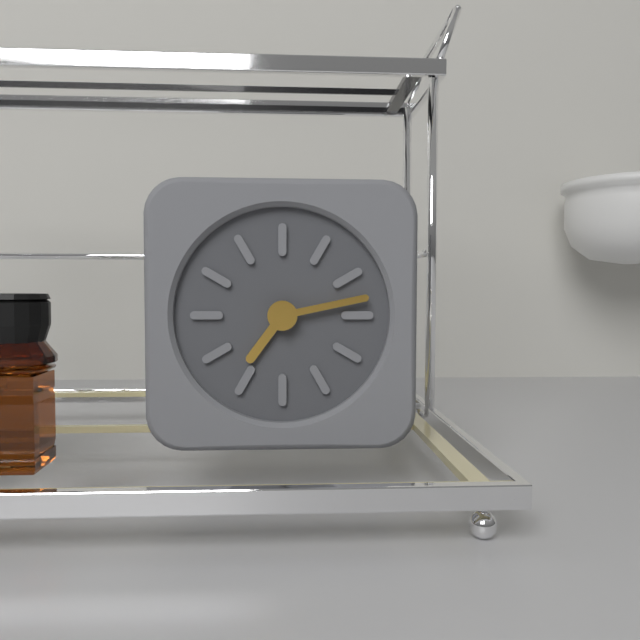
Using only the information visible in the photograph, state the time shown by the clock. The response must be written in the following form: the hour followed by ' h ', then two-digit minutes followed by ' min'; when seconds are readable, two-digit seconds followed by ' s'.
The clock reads 7 h 13 min
